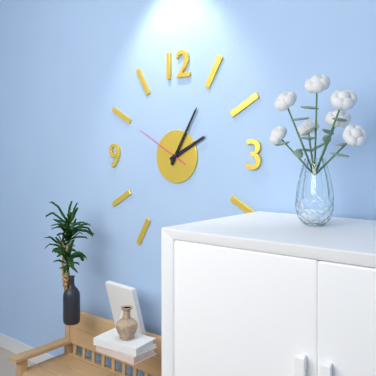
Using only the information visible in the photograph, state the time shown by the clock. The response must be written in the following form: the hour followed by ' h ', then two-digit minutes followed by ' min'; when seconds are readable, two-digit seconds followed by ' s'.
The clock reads 2 h 05 min 50 s
